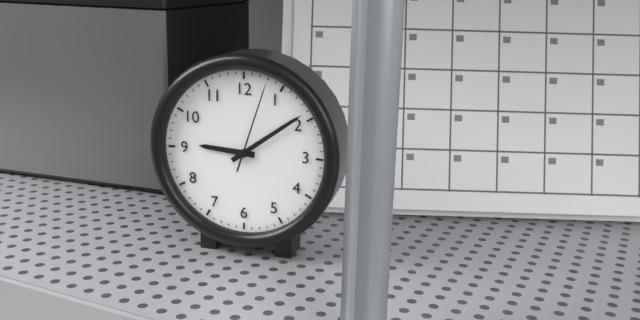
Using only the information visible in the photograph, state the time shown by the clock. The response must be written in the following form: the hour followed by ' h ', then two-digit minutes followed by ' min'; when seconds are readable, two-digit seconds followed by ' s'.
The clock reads 9 h 09 min 03 s
